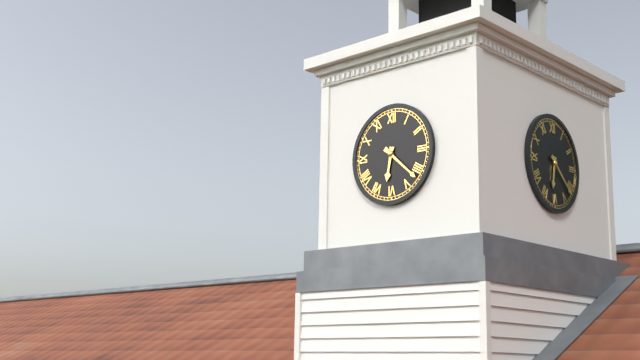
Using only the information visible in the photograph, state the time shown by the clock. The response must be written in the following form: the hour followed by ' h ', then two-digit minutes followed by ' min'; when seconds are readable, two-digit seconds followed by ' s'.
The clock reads 6 h 22 min
